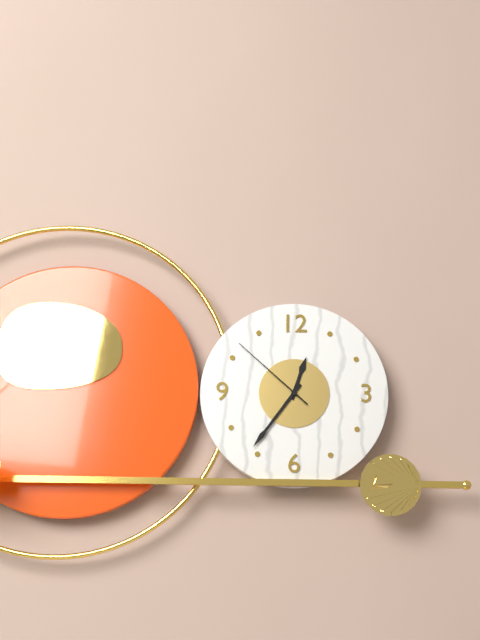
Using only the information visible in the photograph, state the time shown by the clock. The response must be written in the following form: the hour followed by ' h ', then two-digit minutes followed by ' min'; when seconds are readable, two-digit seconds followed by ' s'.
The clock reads 12 h 36 min 52 s
